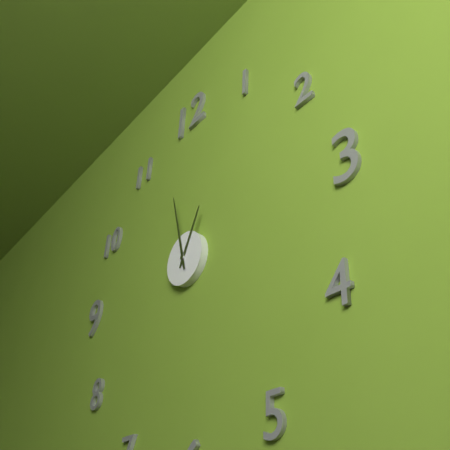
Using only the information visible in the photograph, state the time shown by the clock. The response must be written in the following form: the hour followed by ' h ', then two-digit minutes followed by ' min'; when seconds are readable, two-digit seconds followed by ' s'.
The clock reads 12 h 58 min
